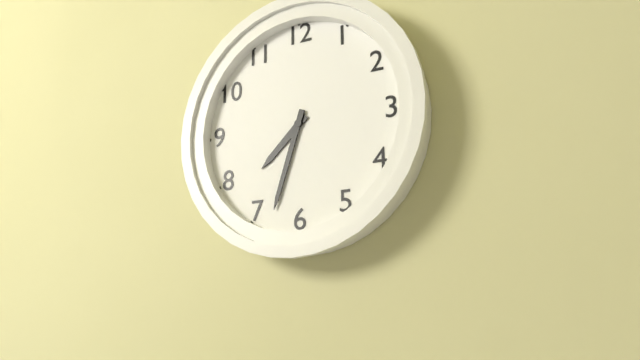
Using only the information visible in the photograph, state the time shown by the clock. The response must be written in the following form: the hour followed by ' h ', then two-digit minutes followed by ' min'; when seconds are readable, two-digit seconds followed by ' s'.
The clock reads 7 h 33 min
